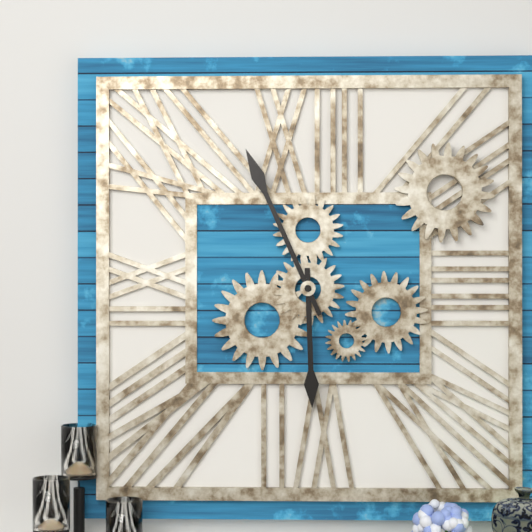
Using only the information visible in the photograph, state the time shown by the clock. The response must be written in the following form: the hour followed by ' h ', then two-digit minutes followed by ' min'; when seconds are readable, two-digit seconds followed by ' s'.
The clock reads 5 h 56 min
